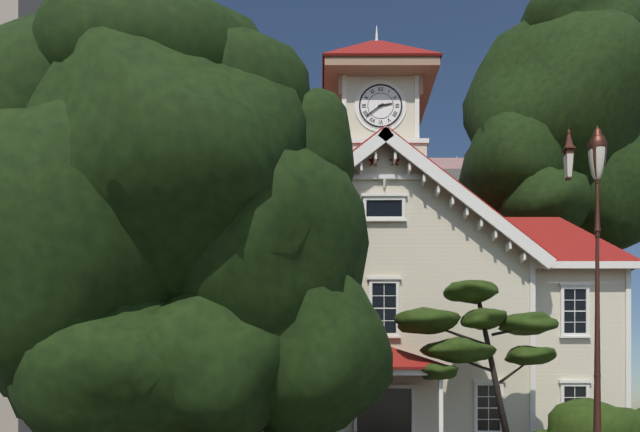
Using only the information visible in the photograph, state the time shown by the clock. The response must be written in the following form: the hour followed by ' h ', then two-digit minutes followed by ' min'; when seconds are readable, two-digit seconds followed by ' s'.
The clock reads 2 h 39 min
